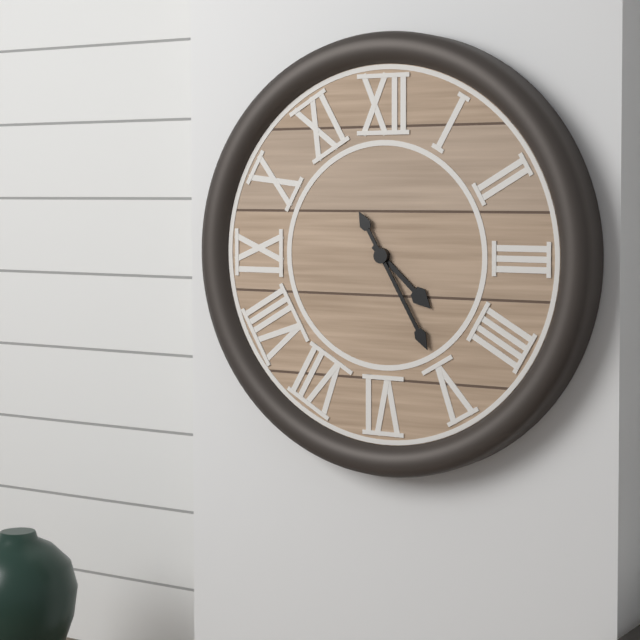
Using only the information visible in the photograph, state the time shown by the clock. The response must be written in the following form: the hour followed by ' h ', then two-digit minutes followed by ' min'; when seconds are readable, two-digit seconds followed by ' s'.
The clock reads 4 h 25 min
